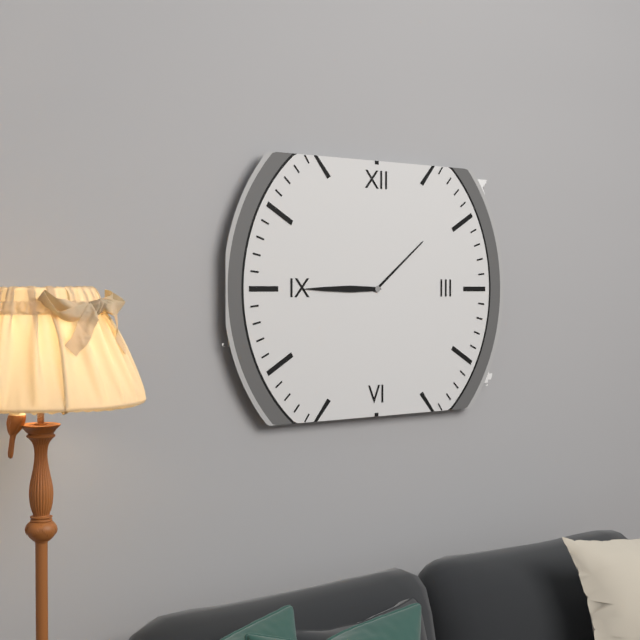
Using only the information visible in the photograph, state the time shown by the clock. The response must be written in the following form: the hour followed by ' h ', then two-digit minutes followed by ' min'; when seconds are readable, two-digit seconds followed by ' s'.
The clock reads 1 h 45 min
